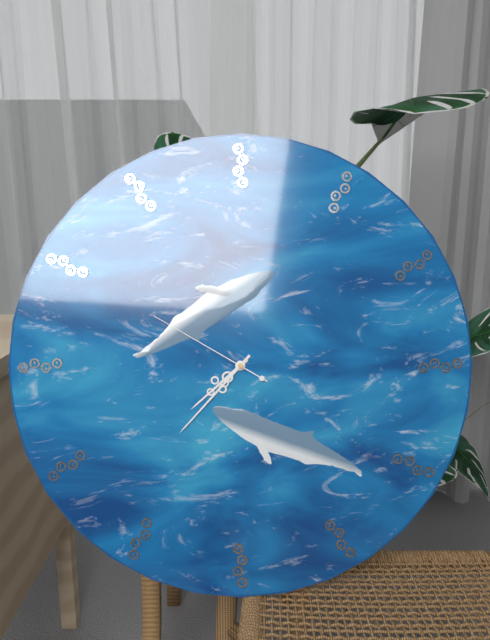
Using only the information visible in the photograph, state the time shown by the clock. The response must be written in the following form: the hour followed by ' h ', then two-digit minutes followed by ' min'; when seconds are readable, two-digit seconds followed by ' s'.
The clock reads 7 h 37 min 50 s
